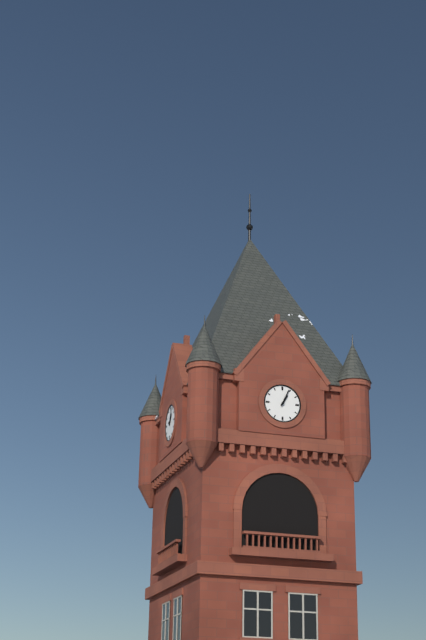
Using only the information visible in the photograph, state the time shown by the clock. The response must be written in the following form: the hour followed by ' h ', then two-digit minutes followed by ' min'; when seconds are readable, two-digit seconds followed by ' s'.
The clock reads 1 h 04 min
